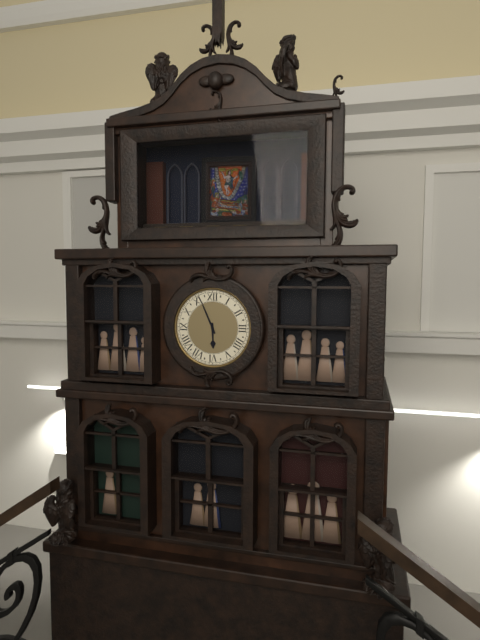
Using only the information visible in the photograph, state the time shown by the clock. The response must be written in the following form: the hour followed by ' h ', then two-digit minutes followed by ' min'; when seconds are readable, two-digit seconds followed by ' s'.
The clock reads 5 h 56 min
